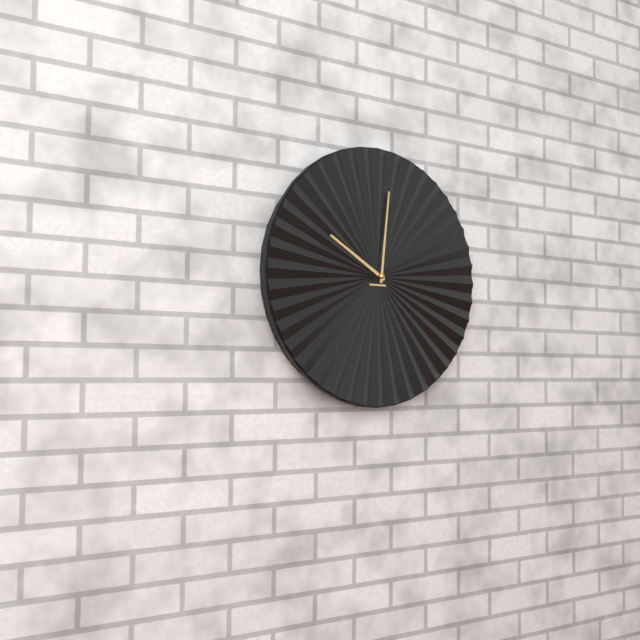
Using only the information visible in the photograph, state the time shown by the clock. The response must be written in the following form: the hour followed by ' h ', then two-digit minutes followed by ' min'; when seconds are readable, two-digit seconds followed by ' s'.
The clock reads 10 h 01 min
